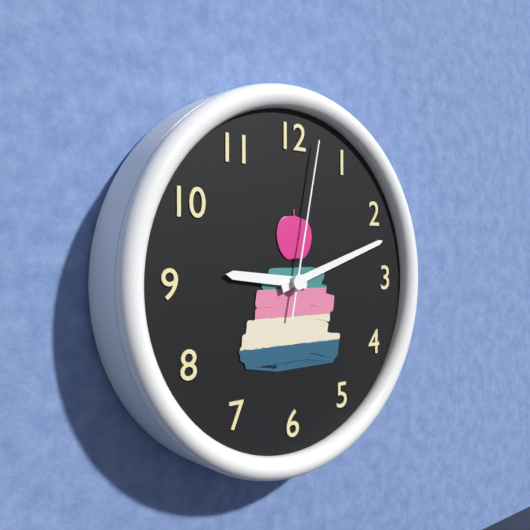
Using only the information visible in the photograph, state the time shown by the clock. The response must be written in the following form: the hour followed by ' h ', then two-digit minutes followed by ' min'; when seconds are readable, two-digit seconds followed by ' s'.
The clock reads 9 h 12 min 02 s
